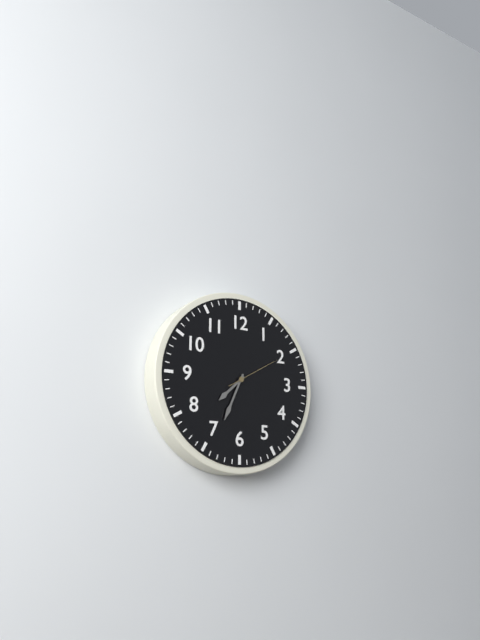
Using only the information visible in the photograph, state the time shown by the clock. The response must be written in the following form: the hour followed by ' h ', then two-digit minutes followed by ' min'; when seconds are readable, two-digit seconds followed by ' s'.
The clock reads 7 h 34 min 10 s
